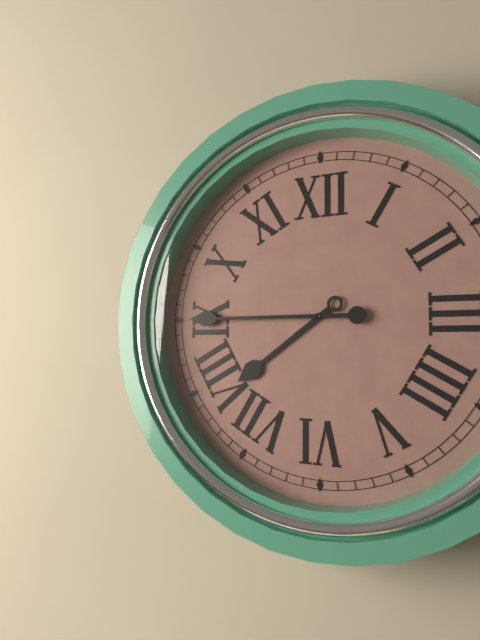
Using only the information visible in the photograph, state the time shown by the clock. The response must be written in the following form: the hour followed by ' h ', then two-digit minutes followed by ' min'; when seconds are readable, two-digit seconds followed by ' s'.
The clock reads 7 h 45 min
